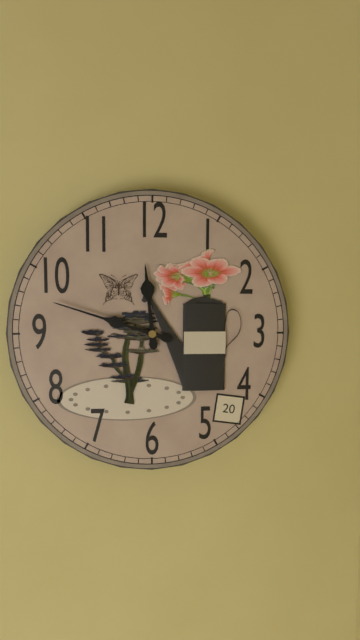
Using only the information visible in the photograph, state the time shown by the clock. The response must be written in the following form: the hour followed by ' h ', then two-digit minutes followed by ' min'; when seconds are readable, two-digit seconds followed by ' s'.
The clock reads 11 h 48 min
